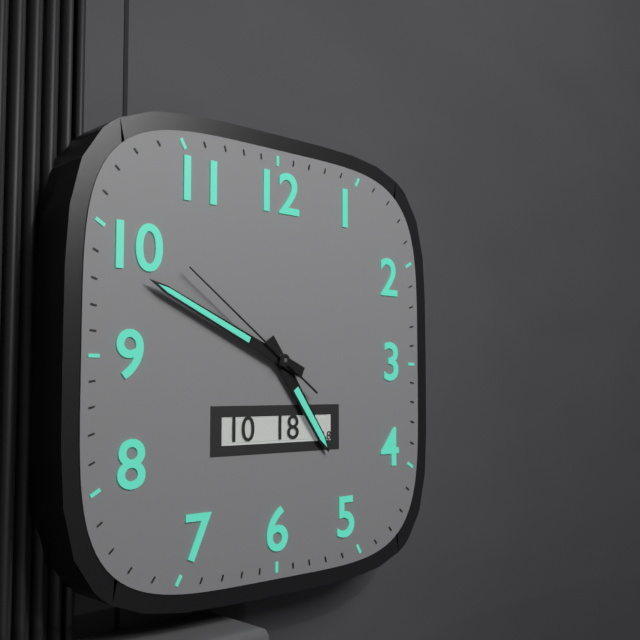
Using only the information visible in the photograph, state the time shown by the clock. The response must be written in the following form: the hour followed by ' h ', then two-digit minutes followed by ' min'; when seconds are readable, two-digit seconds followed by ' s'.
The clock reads 4 h 49 min 51 s
